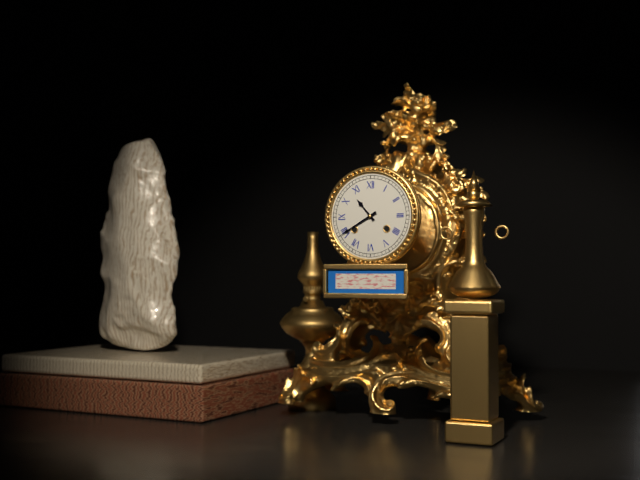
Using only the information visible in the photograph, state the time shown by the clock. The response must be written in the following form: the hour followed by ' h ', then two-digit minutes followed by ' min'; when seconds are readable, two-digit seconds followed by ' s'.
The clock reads 10 h 40 min
